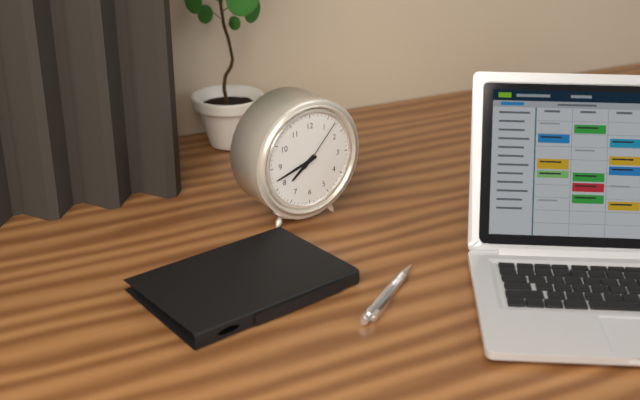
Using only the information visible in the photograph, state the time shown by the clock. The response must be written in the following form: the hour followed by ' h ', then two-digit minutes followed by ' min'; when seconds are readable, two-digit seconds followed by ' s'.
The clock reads 7 h 42 min 07 s
